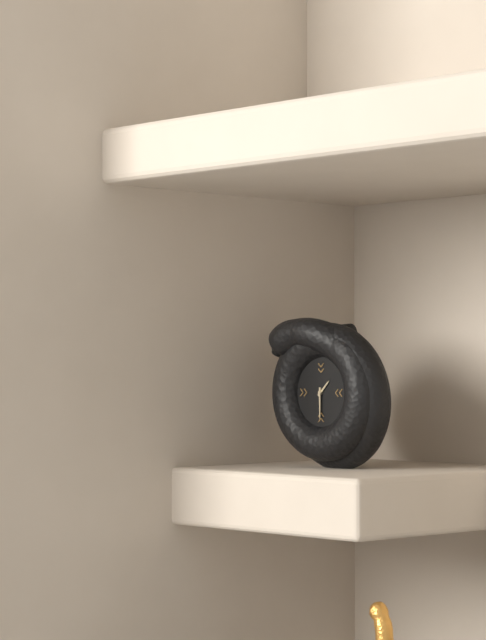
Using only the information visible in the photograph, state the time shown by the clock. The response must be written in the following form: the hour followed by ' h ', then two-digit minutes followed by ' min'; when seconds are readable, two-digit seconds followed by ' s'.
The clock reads 1 h 30 min
